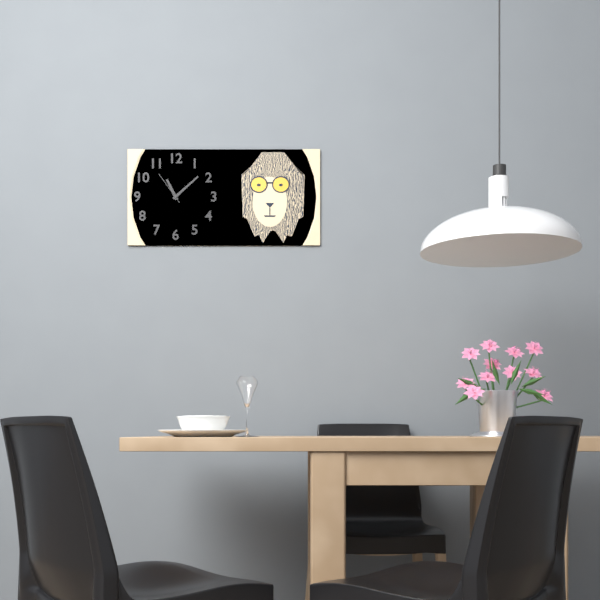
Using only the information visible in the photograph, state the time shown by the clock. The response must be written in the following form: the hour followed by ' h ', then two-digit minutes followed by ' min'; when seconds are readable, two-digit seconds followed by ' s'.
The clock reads 11 h 08 min
